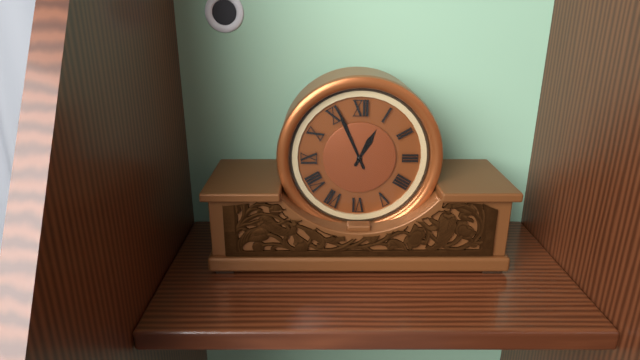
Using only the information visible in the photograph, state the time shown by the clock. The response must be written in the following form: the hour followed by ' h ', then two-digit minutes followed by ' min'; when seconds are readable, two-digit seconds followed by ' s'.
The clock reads 12 h 56 min
